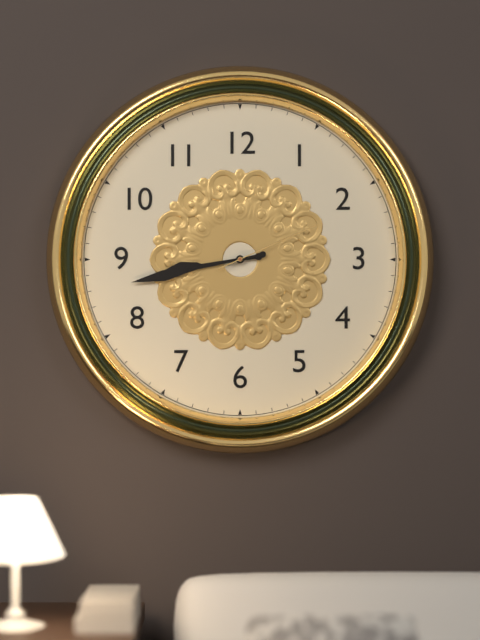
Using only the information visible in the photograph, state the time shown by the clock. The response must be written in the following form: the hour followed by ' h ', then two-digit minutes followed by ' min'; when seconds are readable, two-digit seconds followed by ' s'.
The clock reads 8 h 43 min 11 s
